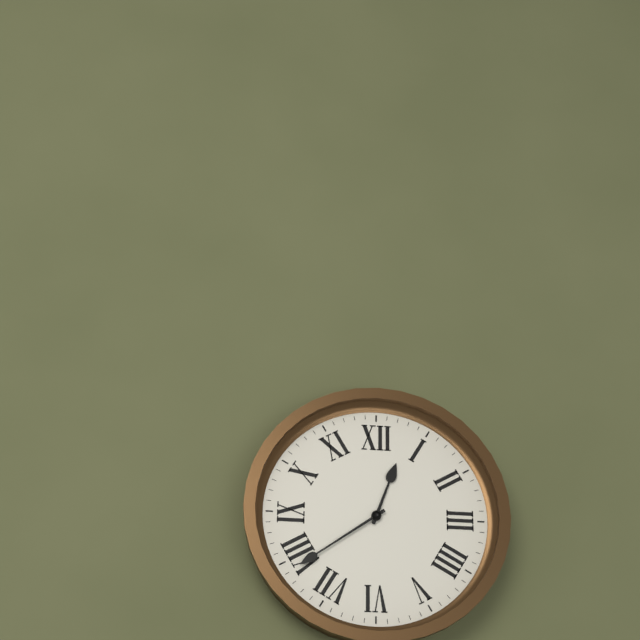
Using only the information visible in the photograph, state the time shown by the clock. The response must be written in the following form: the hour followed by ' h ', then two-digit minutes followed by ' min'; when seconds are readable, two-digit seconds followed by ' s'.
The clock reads 12 h 39 min
